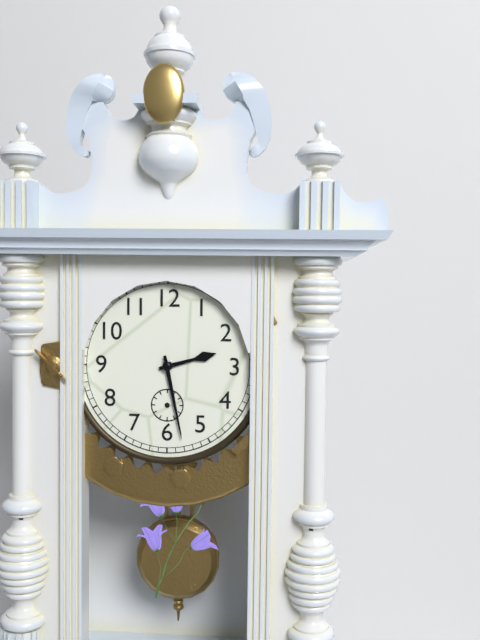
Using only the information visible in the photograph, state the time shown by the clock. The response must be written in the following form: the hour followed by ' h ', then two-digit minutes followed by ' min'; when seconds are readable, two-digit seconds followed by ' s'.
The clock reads 2 h 28 min
